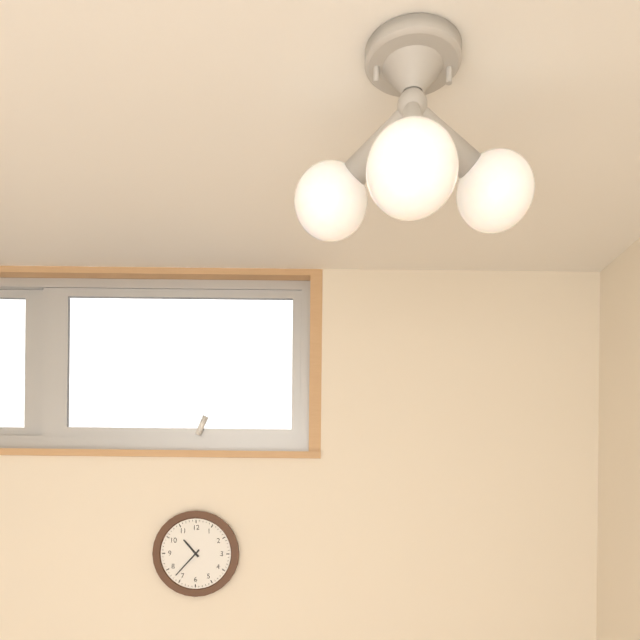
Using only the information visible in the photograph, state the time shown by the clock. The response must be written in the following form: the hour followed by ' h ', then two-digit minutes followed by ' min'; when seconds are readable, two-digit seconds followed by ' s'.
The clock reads 10 h 37 min
